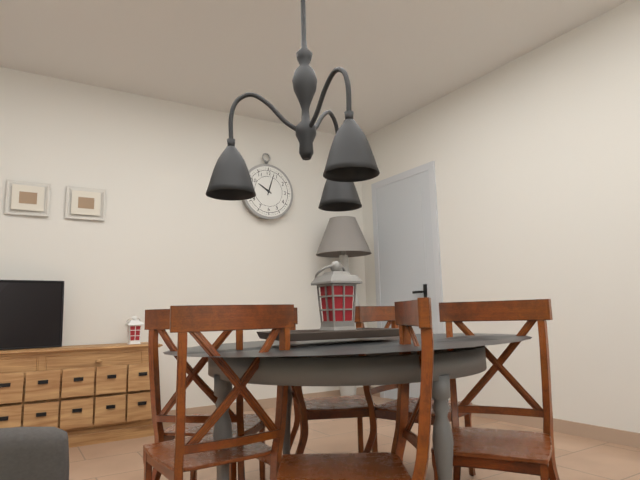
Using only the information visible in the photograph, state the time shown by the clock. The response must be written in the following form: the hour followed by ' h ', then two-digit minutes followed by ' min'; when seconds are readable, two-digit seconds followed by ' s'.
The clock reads 10 h 03 min
